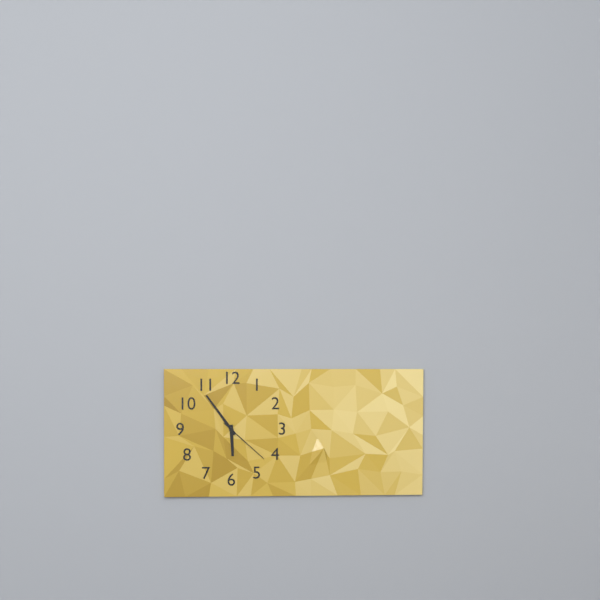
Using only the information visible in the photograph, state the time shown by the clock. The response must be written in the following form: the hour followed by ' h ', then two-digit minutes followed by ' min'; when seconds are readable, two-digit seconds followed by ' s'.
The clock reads 5 h 54 min 22 s
